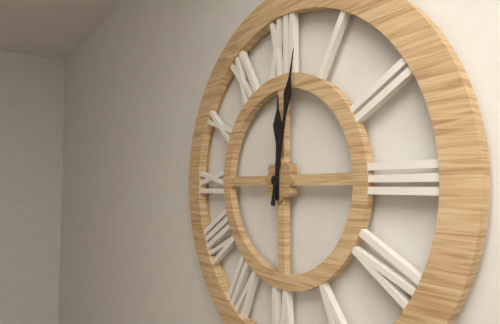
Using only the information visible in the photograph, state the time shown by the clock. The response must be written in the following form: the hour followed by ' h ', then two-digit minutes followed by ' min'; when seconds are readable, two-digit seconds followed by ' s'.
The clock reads 12 h 02 min
